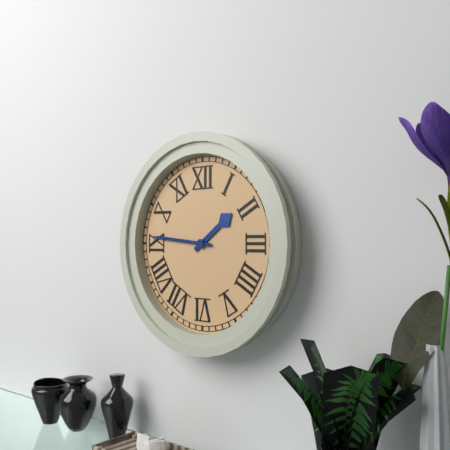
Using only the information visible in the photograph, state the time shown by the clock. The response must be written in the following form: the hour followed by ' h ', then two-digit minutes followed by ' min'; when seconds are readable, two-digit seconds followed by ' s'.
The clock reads 1 h 46 min
